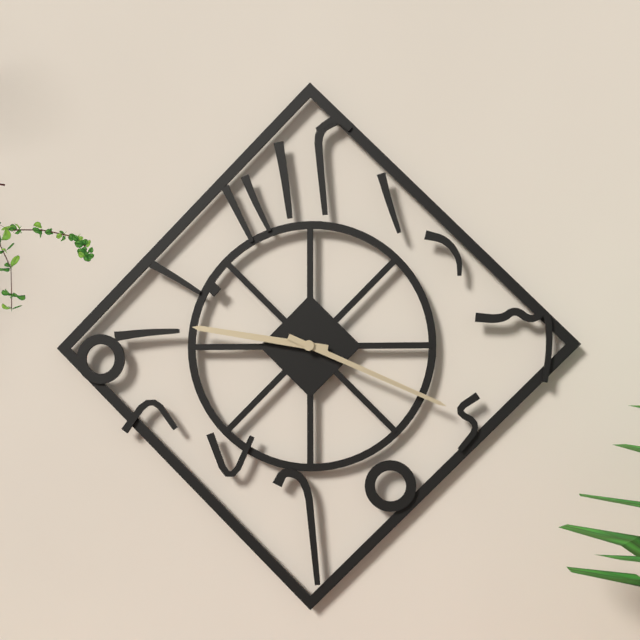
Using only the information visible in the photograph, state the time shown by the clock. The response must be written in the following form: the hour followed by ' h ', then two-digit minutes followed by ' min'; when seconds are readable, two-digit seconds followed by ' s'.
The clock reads 9 h 19 min
